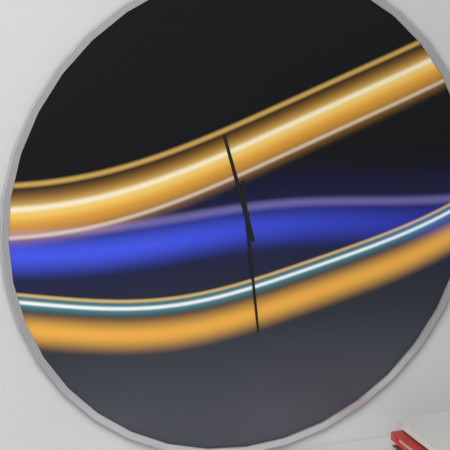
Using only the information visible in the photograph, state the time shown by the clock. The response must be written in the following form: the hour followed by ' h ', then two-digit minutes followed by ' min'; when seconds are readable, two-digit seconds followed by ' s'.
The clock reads 11 h 29 min
